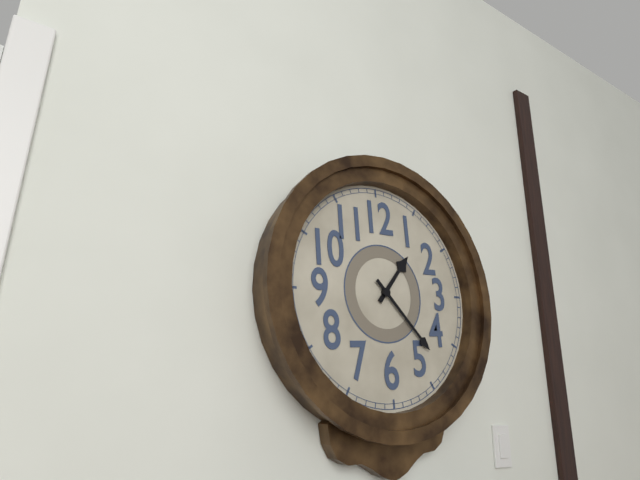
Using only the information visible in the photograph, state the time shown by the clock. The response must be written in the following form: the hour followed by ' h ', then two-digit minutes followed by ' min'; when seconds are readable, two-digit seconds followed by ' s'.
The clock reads 1 h 23 min
